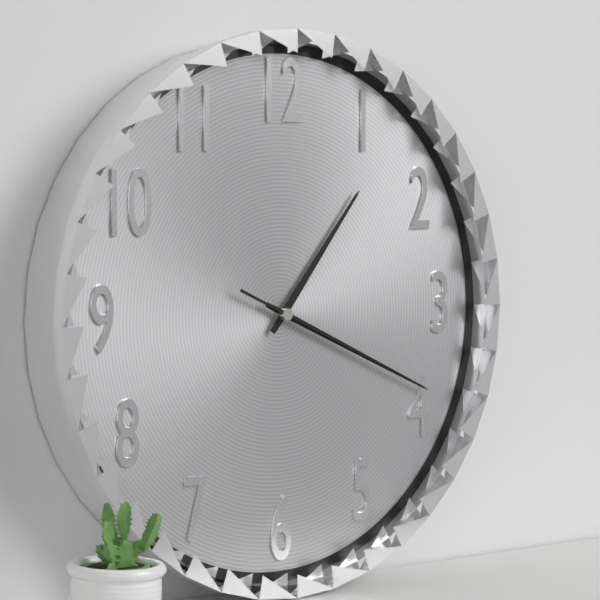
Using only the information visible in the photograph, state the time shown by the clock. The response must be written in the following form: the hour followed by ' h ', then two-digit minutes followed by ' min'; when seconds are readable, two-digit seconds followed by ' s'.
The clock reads 1 h 19 min 19 s
